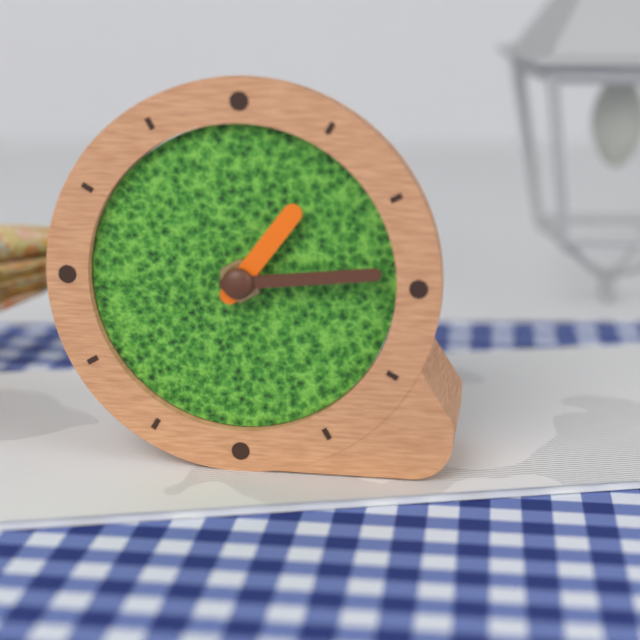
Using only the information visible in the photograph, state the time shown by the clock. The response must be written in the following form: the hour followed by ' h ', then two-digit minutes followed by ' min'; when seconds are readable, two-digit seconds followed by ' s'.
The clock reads 1 h 14 min
